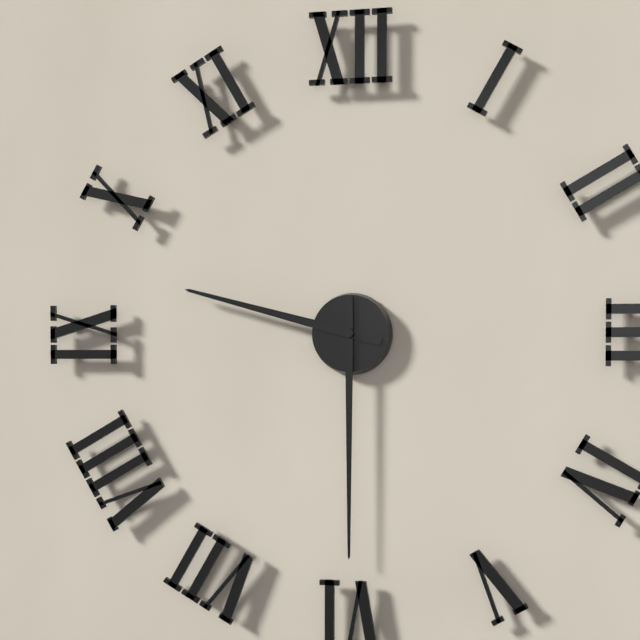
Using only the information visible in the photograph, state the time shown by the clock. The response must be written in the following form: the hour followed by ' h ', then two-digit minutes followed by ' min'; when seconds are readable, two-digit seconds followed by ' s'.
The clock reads 9 h 30 min
